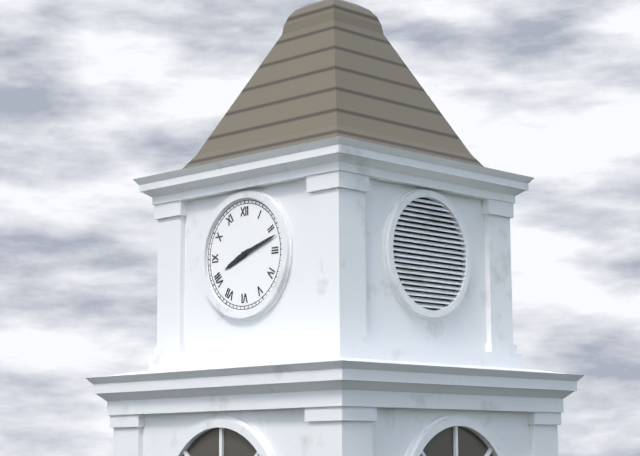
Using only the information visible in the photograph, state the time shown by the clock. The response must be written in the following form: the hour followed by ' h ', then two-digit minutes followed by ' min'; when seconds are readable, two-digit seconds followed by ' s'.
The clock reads 8 h 12 min
